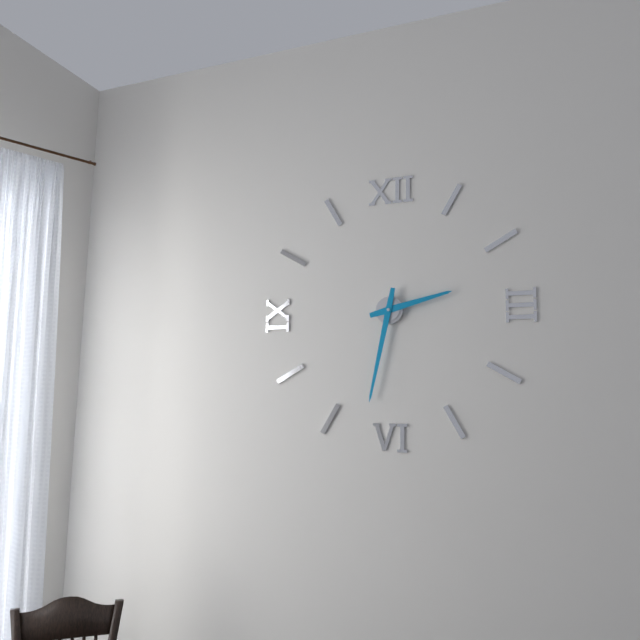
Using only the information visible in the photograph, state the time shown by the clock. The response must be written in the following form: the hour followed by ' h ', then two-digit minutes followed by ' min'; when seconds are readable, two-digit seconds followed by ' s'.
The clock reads 2 h 32 min
